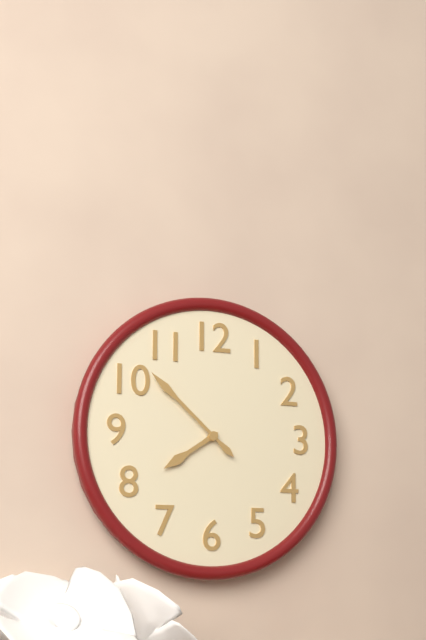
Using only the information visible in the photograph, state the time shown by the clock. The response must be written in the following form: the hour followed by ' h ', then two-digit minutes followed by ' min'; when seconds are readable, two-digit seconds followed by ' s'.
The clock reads 7 h 52 min
